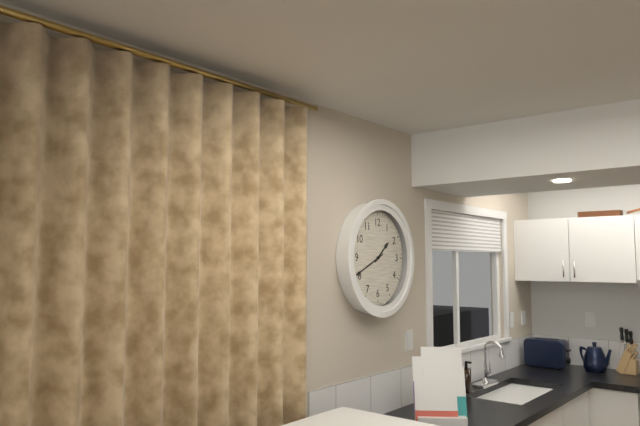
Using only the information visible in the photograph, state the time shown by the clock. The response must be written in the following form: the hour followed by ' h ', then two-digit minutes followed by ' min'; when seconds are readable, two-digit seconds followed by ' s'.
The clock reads 1 h 41 min
